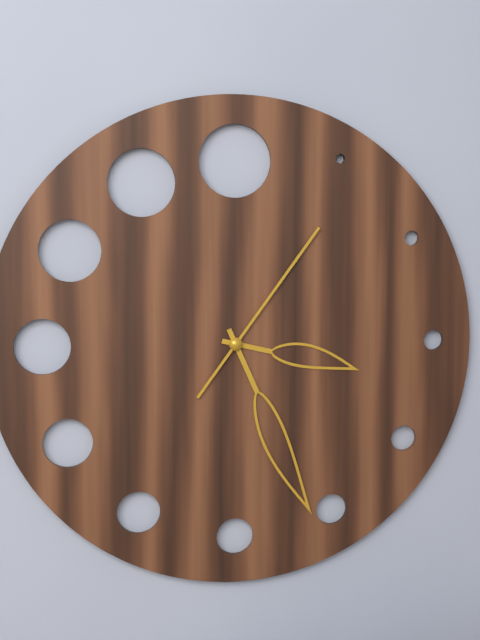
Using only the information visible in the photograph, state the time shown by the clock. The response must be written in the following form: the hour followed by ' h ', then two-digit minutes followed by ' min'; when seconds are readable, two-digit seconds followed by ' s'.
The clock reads 3 h 26 min 06 s
